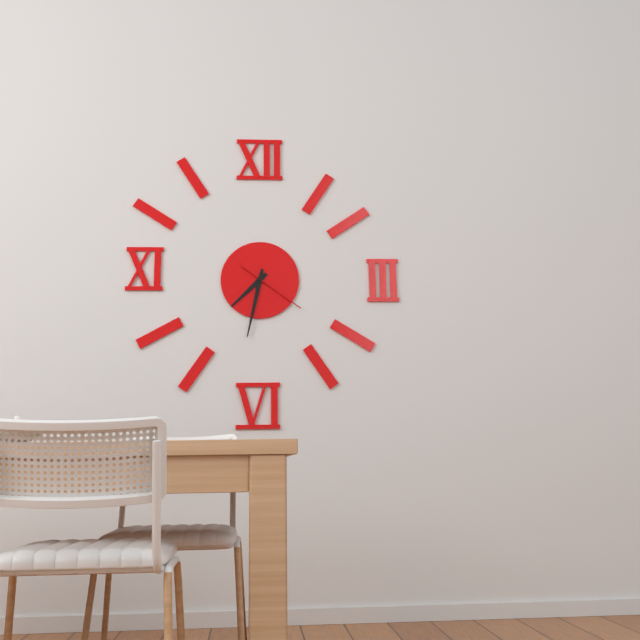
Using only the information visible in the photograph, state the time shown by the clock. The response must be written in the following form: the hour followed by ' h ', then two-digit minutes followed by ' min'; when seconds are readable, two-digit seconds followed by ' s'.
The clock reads 7 h 32 min 21 s
